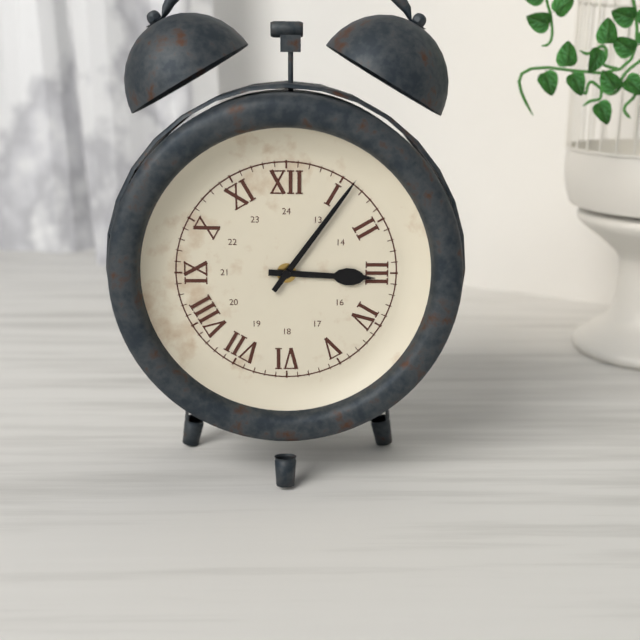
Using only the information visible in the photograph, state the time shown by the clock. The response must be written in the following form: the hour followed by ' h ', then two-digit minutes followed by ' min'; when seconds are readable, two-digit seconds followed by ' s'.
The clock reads 3 h 06 min
